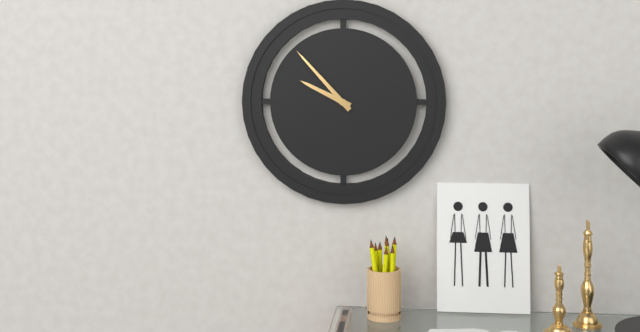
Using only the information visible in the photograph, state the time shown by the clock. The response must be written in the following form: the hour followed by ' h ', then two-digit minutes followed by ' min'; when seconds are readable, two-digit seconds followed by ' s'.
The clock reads 9 h 53 min
